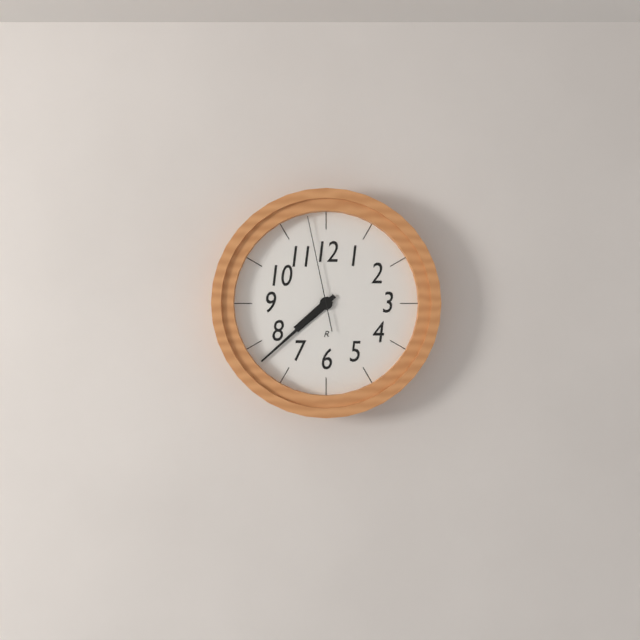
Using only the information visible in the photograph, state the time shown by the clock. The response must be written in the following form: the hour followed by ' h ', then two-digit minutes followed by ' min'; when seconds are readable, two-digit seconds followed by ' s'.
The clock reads 7 h 38 min 58 s
